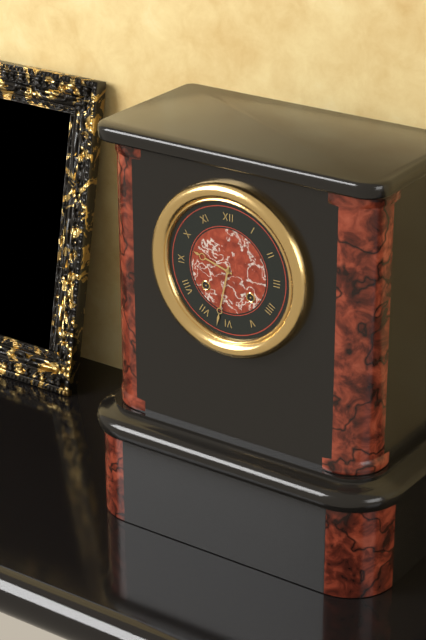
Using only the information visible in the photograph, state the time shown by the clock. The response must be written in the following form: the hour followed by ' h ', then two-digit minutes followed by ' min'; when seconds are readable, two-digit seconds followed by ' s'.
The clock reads 9 h 32 min
